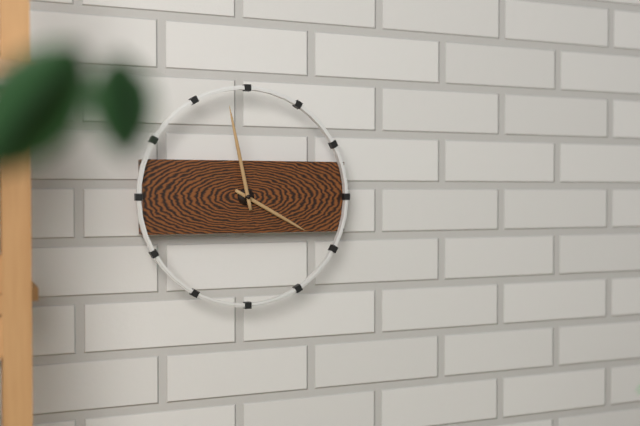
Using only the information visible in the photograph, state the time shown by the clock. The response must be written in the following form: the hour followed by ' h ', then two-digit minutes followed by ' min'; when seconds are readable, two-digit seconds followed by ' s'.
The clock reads 3 h 58 min
